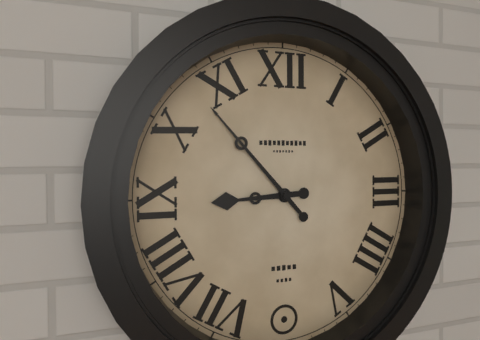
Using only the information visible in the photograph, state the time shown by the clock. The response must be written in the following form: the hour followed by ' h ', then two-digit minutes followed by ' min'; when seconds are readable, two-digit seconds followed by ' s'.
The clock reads 8 h 53 min
